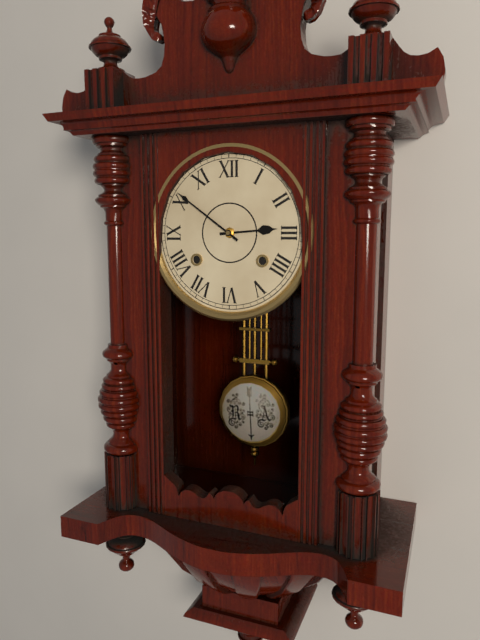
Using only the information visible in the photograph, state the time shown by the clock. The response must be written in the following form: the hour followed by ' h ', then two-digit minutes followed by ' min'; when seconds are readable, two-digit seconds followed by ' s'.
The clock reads 2 h 51 min
